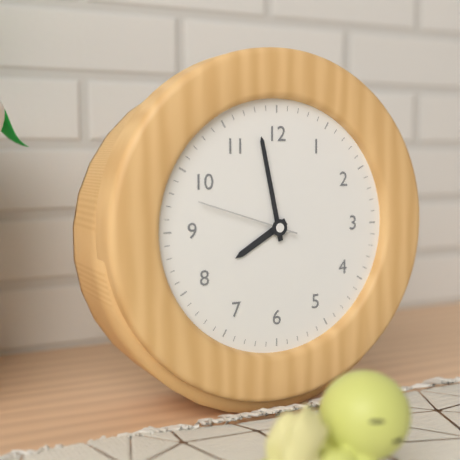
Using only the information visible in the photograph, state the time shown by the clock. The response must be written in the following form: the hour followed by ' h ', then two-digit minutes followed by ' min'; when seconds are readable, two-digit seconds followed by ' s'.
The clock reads 7 h 58 min 48 s
